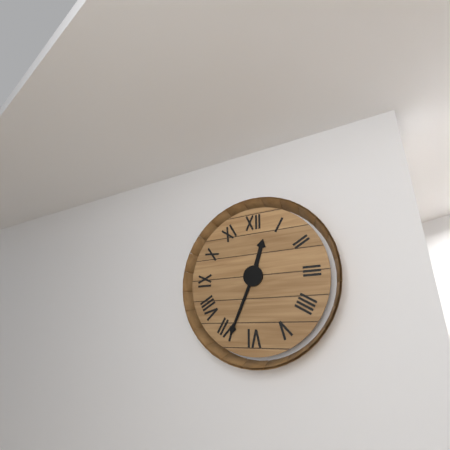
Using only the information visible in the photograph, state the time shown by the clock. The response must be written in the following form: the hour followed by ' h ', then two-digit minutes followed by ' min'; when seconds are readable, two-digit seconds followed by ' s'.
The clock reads 12 h 34 min
